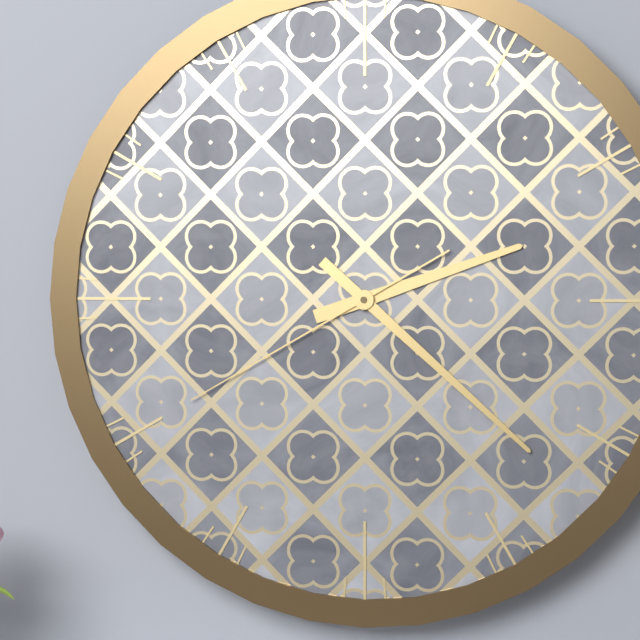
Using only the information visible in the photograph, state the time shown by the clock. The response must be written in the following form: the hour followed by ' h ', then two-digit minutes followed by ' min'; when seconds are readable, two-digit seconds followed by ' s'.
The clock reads 2 h 22 min 40 s
